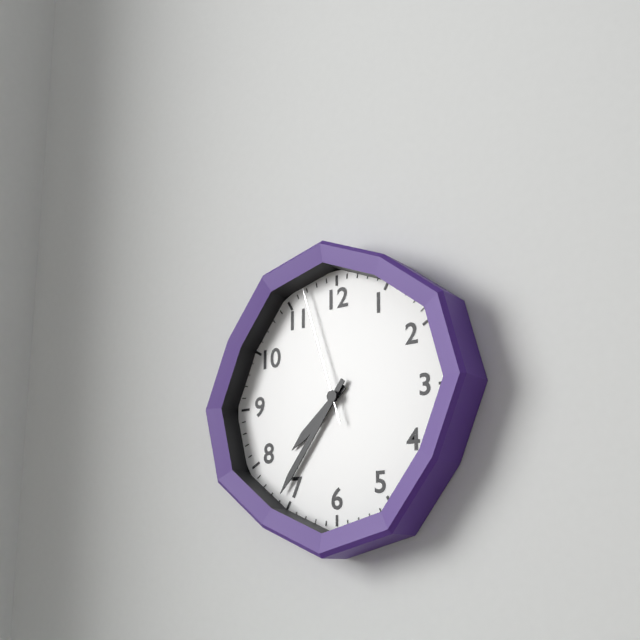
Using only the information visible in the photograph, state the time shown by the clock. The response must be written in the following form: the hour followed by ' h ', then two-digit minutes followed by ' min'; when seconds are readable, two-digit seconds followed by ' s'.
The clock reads 7 h 36 min 57 s
